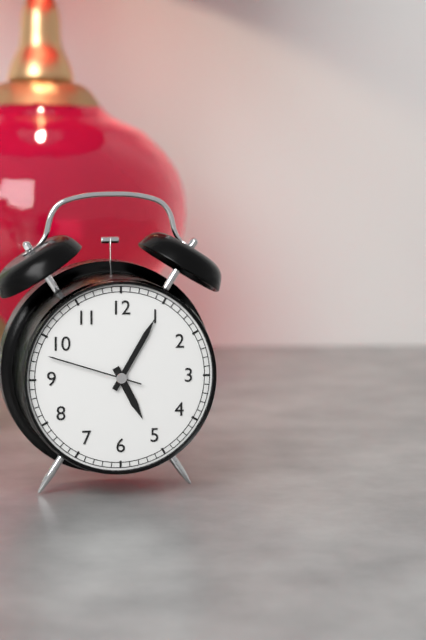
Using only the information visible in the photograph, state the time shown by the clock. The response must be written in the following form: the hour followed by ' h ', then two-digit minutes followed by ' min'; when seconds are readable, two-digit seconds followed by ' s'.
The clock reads 5 h 05 min 48 s
